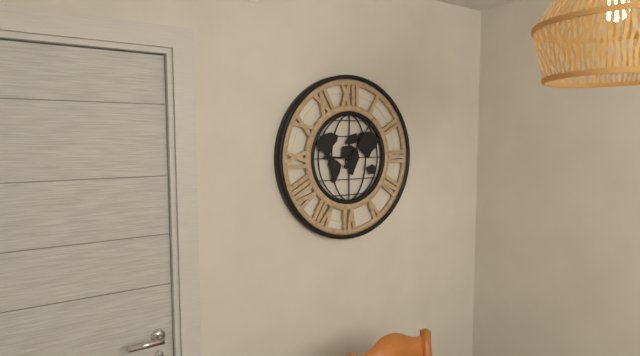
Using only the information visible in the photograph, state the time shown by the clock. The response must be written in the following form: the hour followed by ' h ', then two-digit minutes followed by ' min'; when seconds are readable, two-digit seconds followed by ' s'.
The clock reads 9 h 06 min
